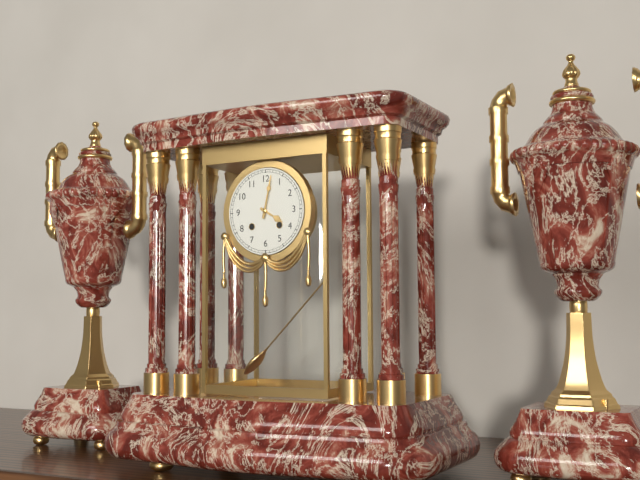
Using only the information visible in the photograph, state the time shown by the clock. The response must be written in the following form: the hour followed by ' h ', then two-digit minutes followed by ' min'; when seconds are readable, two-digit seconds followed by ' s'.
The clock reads 4 h 02 min
